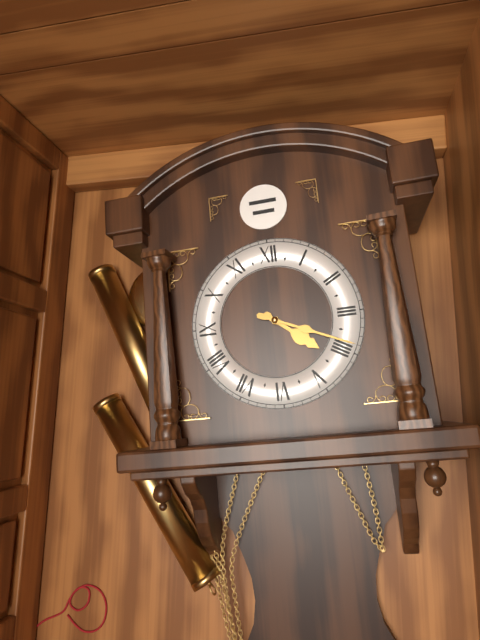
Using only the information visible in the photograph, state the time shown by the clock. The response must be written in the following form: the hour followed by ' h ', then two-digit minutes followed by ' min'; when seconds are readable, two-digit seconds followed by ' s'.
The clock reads 4 h 19 min
